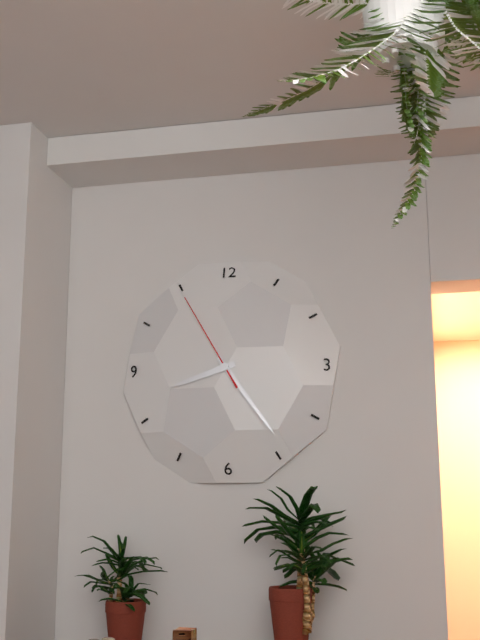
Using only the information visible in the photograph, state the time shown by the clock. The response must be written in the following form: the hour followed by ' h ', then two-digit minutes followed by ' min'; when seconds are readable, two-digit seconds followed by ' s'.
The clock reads 8 h 24 min 55 s
